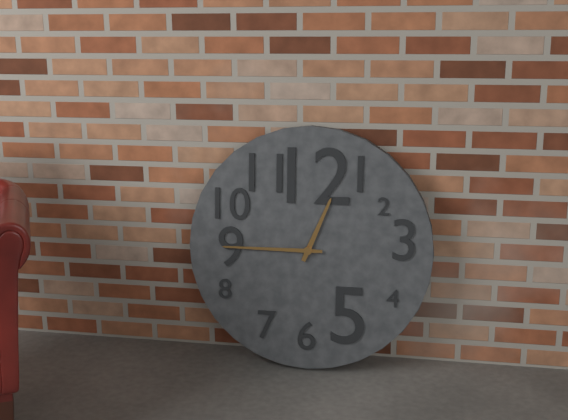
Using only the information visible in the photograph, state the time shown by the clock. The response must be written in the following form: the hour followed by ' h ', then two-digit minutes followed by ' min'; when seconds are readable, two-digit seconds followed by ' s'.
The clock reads 12 h 45 min
